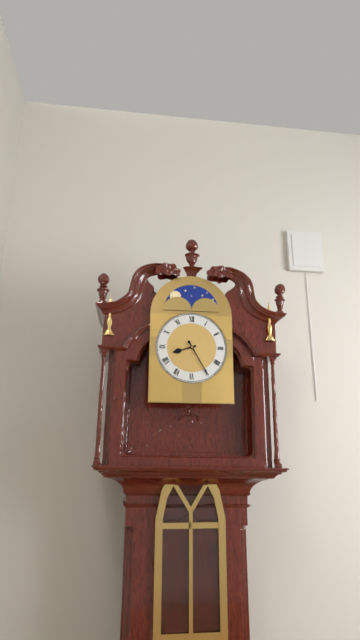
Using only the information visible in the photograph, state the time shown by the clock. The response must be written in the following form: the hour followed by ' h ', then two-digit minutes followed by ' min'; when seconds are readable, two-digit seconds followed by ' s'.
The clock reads 8 h 25 min
